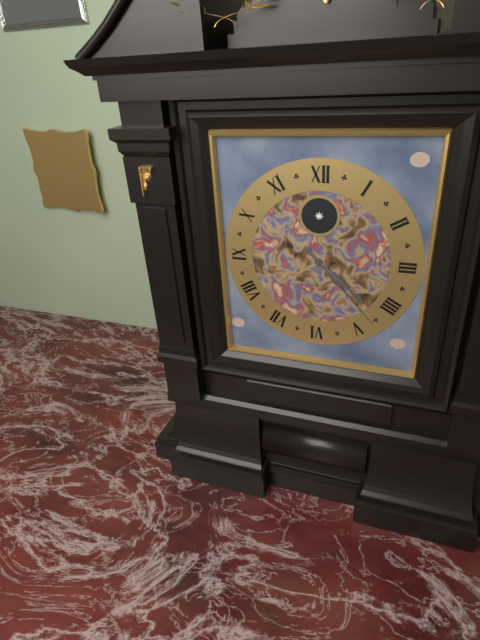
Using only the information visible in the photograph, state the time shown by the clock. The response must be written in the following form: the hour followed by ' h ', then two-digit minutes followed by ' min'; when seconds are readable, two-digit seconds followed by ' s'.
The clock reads 4 h 23 min
